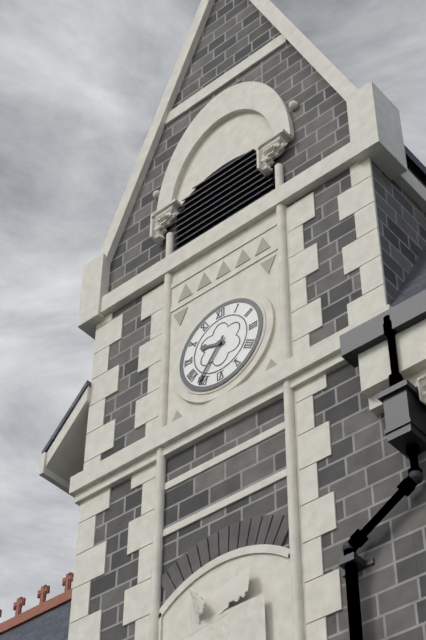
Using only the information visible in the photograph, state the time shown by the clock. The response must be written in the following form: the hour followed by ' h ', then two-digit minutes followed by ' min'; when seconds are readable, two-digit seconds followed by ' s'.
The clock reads 9 h 36 min
